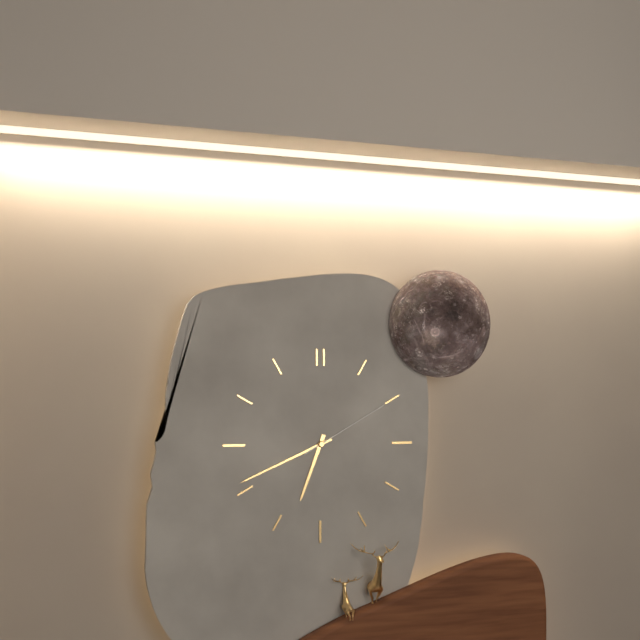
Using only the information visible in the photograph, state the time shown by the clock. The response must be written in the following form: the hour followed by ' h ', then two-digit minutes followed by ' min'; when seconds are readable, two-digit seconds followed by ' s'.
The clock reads 6 h 41 min 10 s
